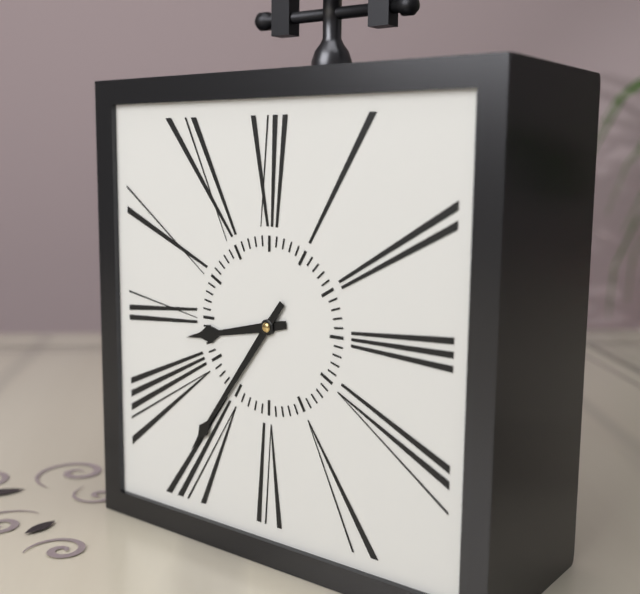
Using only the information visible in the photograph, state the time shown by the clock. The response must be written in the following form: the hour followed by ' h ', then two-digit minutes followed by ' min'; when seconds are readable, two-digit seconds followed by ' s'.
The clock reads 8 h 36 min
